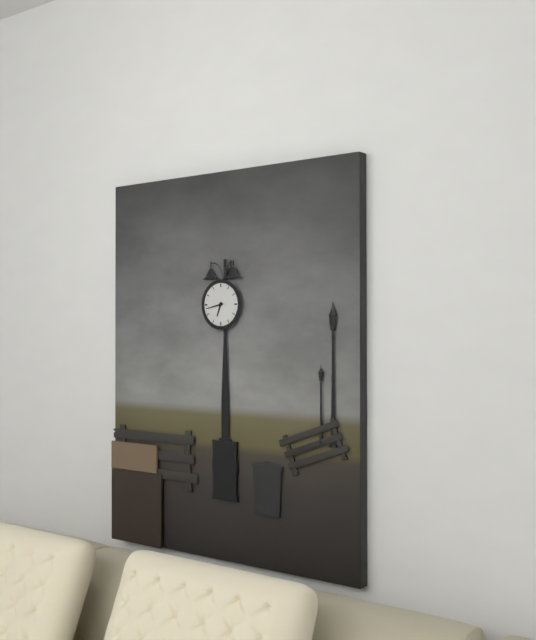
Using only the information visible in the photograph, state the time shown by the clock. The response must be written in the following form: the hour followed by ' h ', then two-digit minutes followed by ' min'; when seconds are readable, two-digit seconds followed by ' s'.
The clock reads 6 h 43 min
